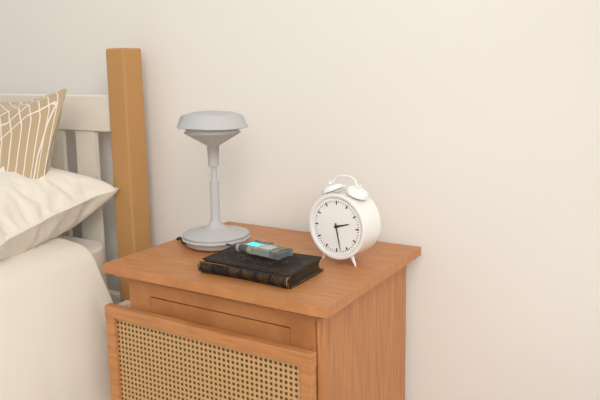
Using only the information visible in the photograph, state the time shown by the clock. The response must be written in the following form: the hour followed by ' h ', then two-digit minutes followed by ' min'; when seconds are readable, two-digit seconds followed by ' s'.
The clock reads 2 h 28 min
